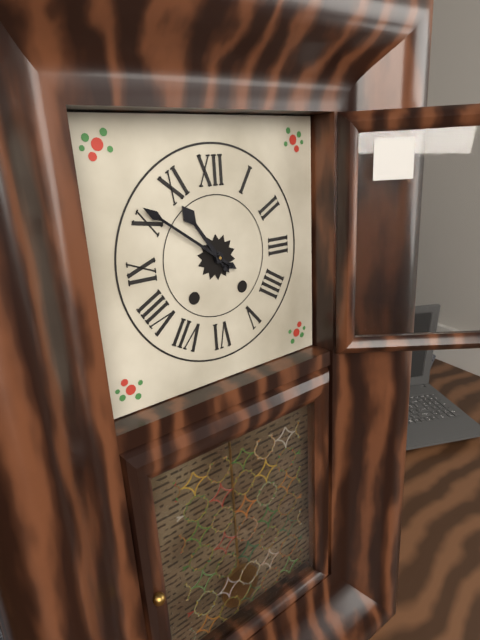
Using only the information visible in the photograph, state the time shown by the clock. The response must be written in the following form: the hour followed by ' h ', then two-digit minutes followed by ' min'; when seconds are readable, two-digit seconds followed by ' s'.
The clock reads 10 h 51 min
